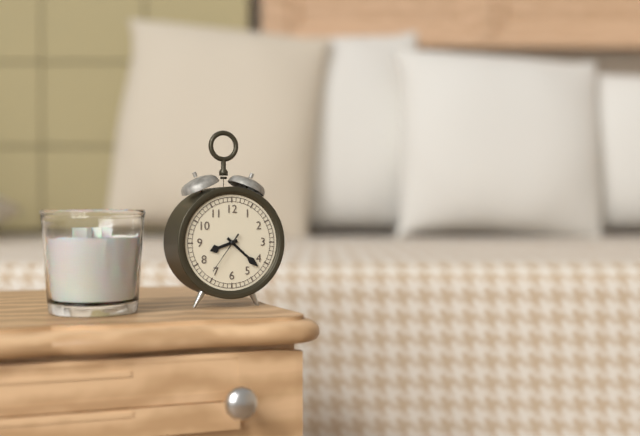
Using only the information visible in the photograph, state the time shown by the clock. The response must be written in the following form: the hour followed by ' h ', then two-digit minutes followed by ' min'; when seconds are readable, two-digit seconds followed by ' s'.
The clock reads 8 h 22 min
